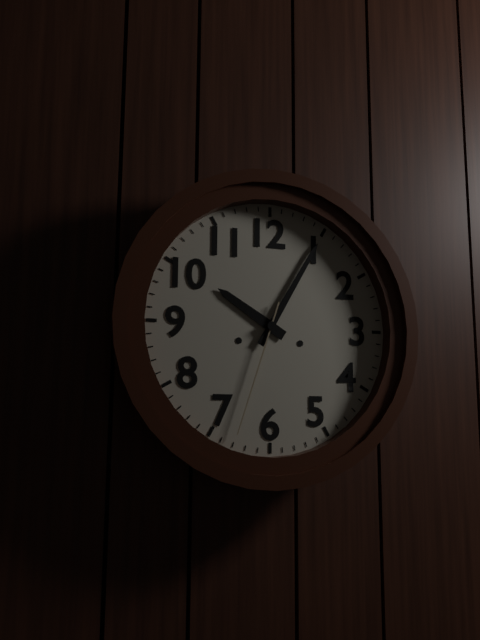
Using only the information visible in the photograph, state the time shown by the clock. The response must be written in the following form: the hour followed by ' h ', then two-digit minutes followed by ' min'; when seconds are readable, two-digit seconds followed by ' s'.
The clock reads 10 h 05 min 33 s
